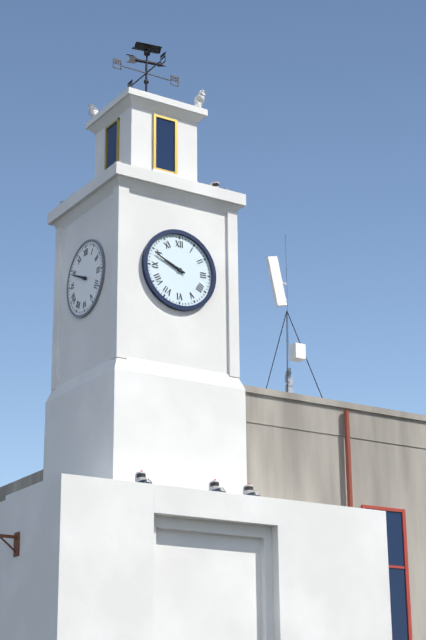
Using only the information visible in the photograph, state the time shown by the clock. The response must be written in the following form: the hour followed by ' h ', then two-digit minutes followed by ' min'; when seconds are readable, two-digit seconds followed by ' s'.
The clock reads 9 h 49 min
